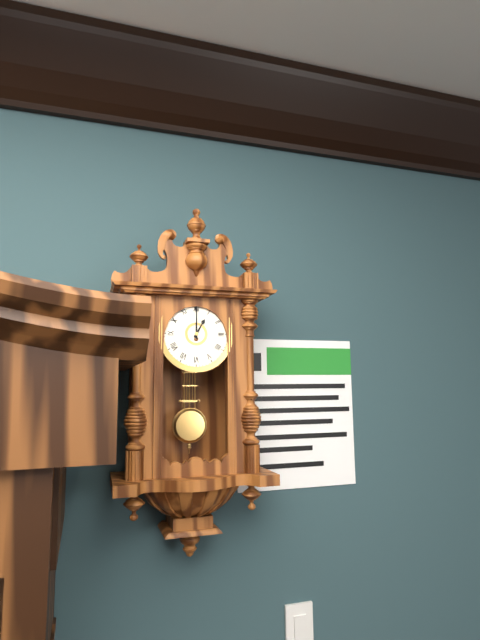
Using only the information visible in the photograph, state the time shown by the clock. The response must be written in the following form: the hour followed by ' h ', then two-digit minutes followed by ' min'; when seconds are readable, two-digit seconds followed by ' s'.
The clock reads 1 h 00 min
